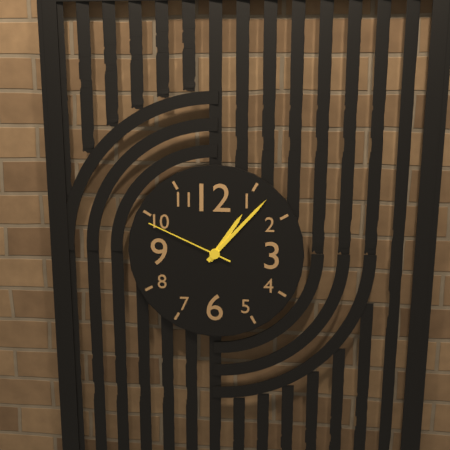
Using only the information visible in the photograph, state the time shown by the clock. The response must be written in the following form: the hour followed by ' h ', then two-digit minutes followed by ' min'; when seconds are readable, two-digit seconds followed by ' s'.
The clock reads 1 h 07 min 49 s
